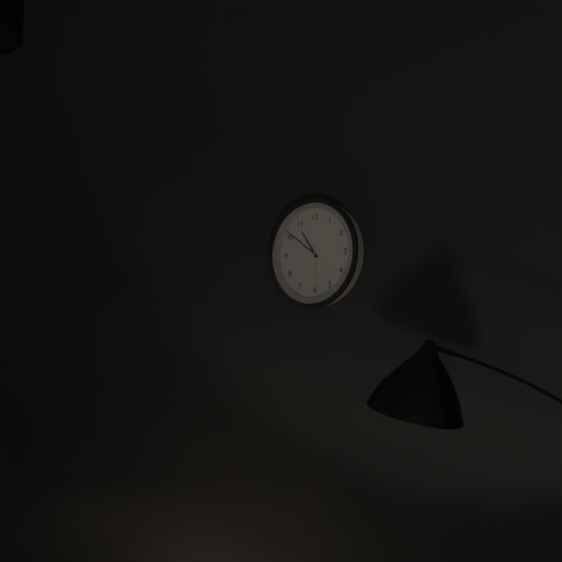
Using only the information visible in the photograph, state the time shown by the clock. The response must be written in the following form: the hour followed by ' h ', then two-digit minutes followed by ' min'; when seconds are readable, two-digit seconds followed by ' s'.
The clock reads 10 h 51 min 29 s
